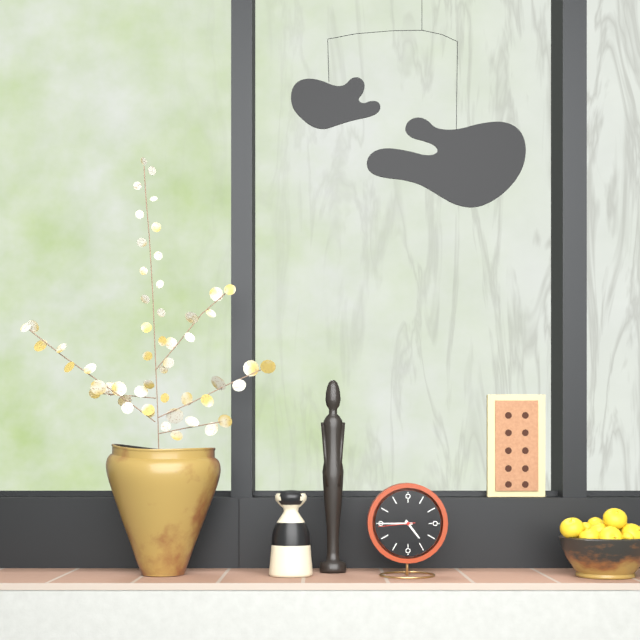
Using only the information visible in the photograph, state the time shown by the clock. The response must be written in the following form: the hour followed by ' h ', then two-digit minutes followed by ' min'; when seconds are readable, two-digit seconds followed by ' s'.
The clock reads 4 h 45 min
